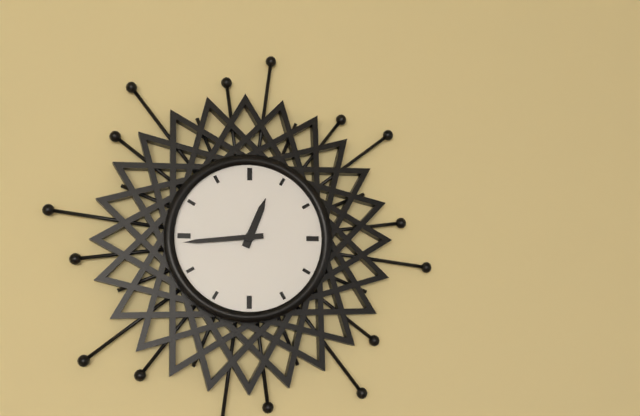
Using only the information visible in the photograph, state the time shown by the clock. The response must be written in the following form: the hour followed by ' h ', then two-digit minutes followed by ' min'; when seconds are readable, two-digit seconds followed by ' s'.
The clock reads 12 h 44 min
